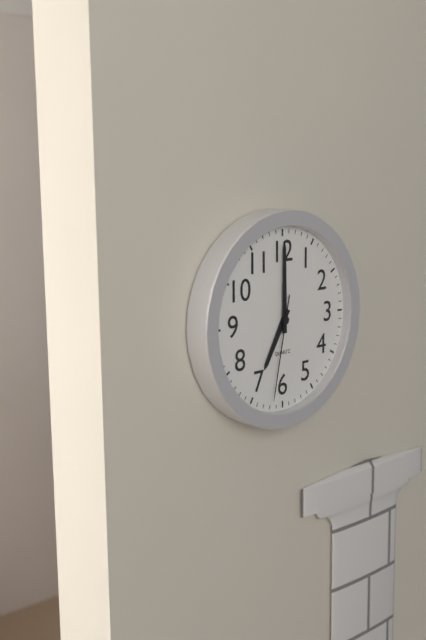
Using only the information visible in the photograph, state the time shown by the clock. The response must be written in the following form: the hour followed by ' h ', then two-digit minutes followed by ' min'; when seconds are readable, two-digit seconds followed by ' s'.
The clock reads 7 h 00 min 32 s
